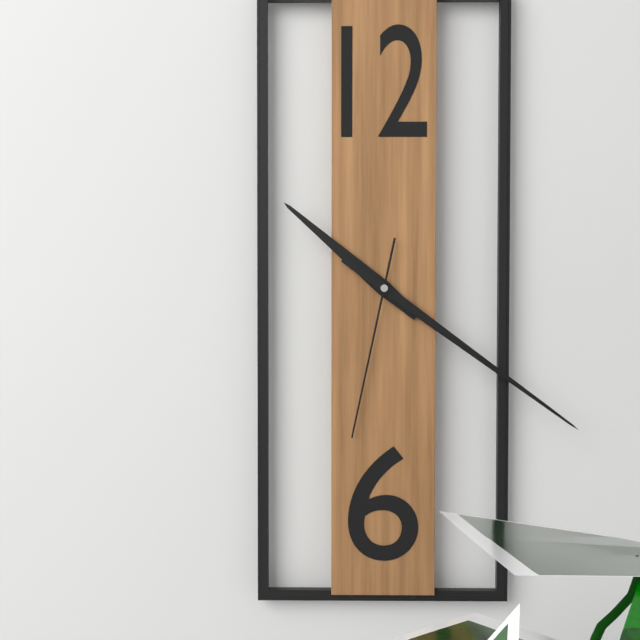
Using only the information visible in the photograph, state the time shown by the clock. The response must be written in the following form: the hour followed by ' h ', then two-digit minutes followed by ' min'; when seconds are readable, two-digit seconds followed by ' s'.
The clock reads 10 h 21 min 32 s
